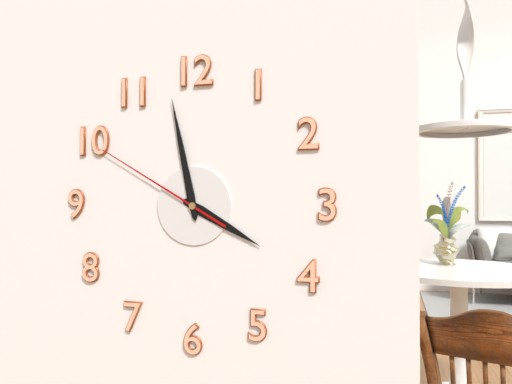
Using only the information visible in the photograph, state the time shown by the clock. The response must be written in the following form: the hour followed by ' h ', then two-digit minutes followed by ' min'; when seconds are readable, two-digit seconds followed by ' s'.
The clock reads 3 h 58 min 50 s
